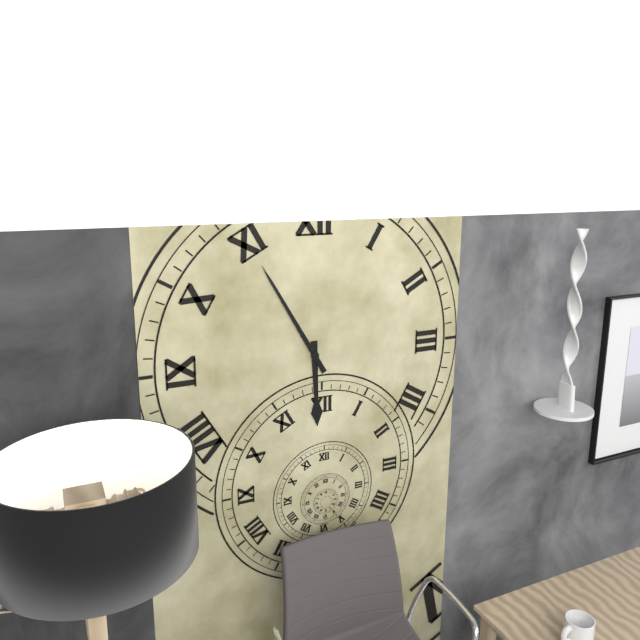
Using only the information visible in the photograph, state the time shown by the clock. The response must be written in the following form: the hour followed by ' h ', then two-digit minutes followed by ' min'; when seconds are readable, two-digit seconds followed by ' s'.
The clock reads 5 h 55 min
